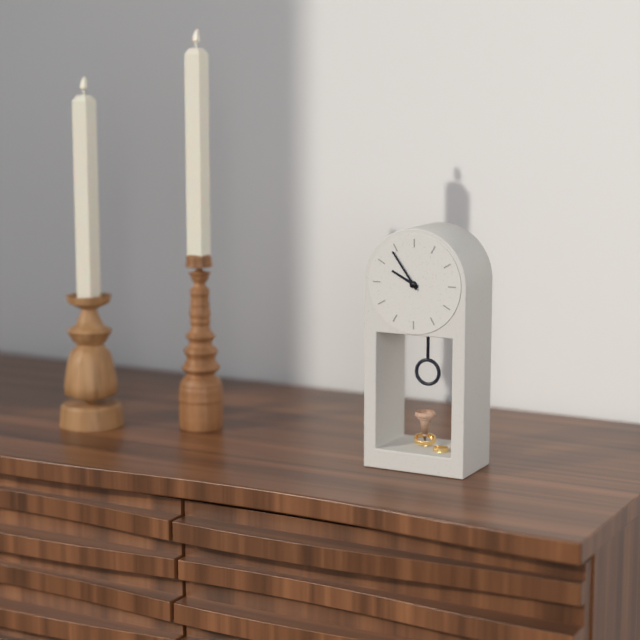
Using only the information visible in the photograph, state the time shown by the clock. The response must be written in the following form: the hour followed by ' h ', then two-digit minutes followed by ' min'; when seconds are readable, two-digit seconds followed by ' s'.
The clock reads 9 h 54 min
